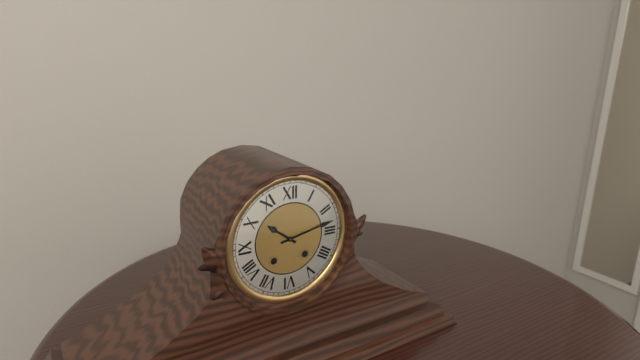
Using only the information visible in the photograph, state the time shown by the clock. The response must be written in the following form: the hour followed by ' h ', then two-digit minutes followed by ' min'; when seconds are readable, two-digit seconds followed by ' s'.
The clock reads 10 h 13 min
